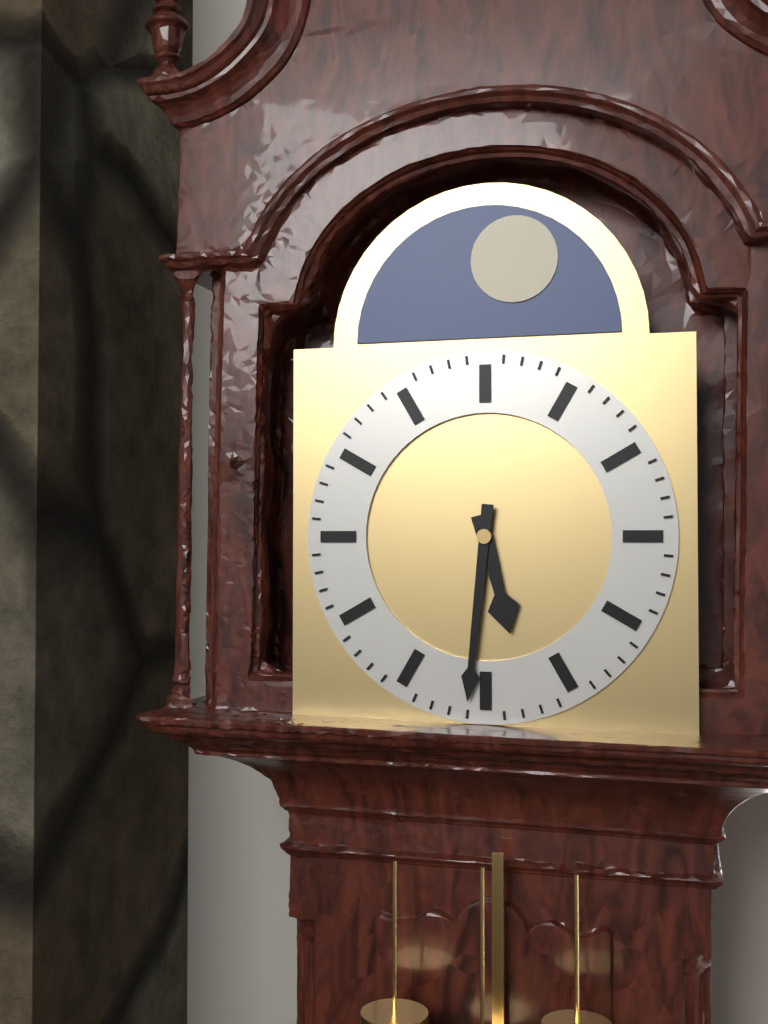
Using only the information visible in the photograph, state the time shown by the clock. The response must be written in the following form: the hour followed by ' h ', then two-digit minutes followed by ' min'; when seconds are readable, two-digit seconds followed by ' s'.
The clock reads 5 h 31 min
